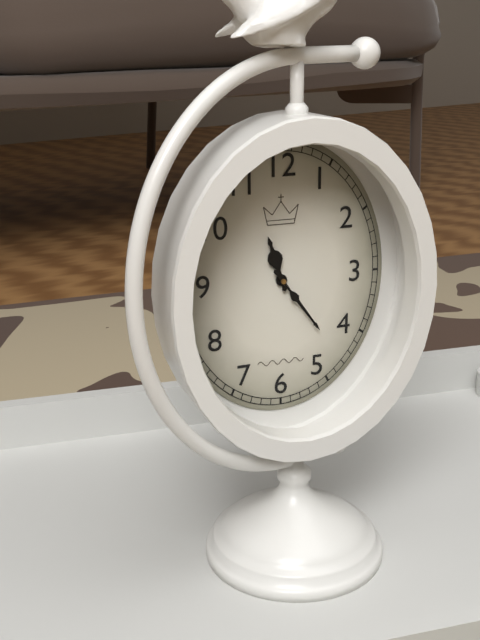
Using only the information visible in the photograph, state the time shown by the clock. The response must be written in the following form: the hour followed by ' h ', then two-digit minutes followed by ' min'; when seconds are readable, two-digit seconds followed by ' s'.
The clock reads 11 h 24 min
